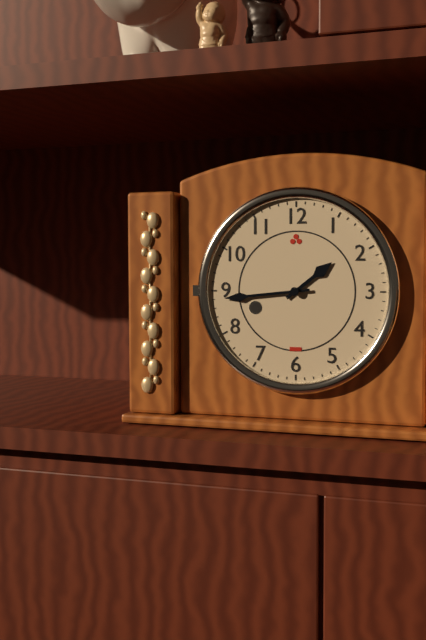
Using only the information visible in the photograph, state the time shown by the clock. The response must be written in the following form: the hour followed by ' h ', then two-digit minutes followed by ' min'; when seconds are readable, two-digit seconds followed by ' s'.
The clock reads 1 h 44 min
